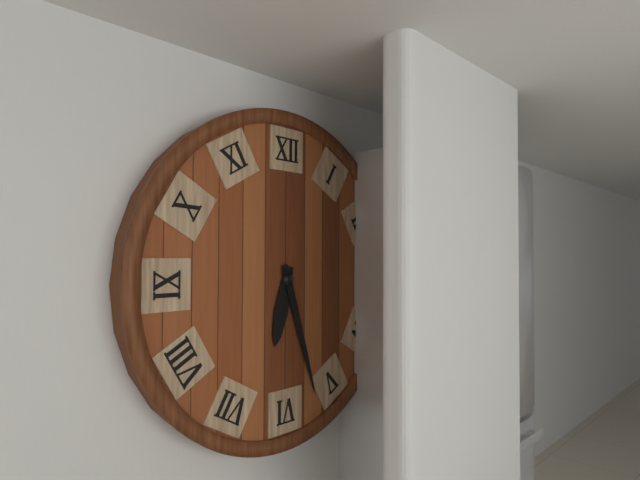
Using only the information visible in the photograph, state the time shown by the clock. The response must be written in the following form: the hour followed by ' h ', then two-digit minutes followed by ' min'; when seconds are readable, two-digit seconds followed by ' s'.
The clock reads 6 h 27 min
